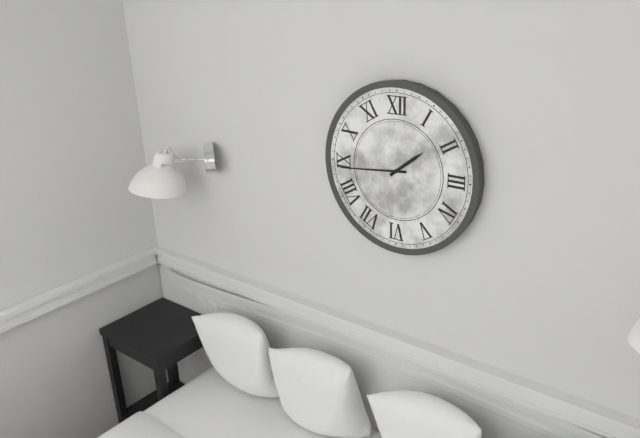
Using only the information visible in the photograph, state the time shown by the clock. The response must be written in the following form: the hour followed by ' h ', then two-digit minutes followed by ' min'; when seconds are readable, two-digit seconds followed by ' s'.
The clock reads 1 h 44 min
